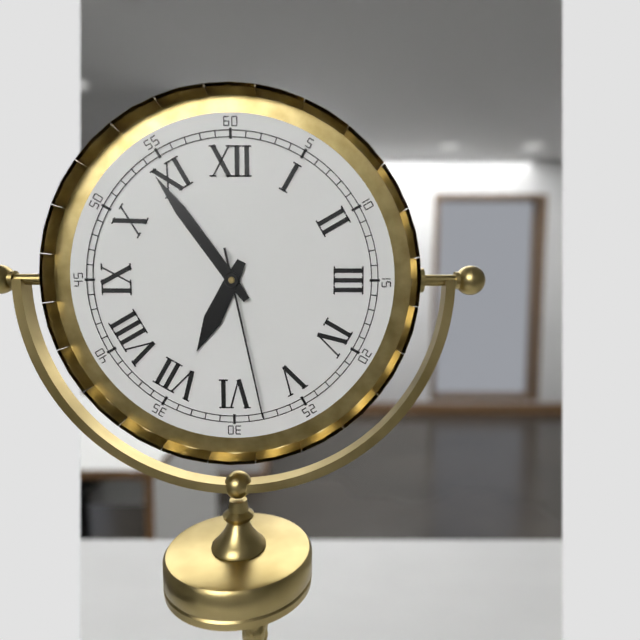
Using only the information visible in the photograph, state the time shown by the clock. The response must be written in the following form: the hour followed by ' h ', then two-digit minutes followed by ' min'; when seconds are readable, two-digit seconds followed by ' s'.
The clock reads 6 h 54 min 28 s
